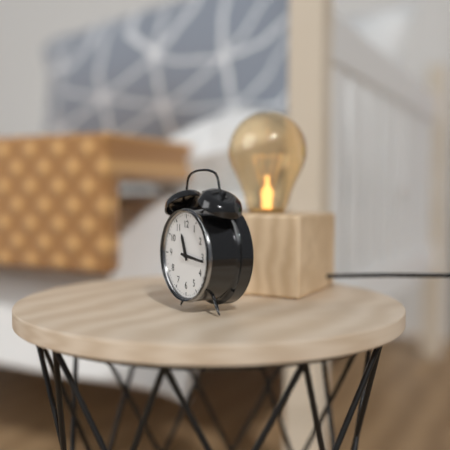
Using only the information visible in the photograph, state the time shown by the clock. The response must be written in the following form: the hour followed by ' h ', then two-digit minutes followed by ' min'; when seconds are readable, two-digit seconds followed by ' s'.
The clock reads 11 h 16 min
